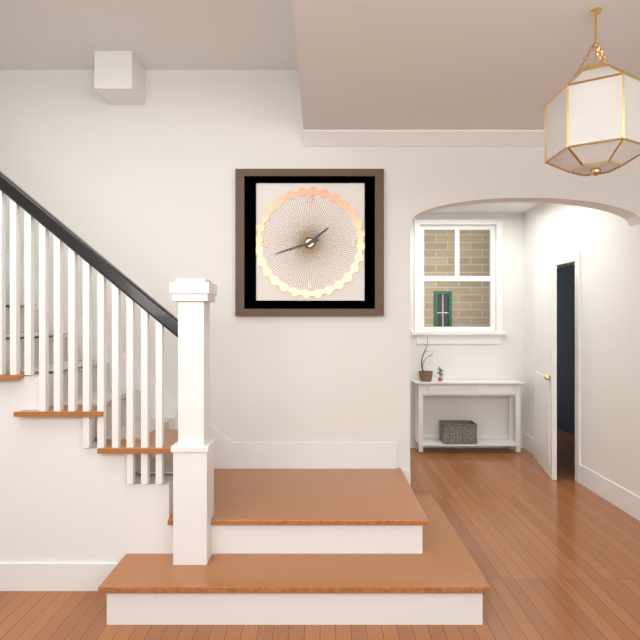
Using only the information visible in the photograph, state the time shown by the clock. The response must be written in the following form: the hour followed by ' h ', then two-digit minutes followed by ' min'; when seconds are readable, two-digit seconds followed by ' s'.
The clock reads 1 h 42 min
